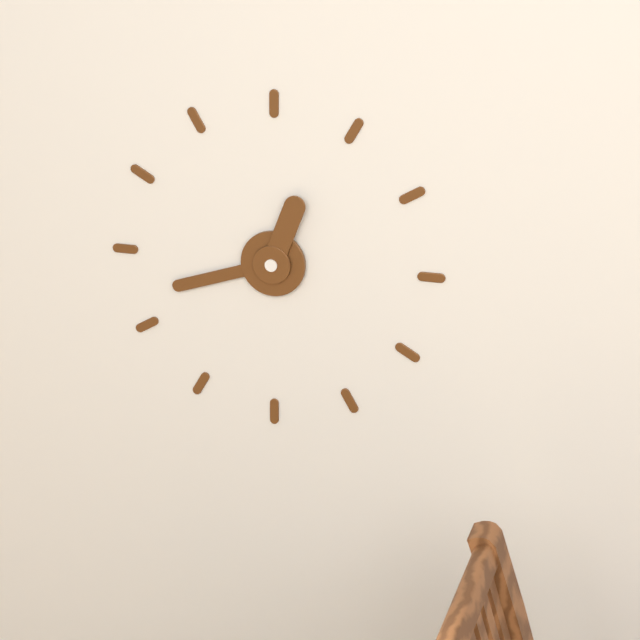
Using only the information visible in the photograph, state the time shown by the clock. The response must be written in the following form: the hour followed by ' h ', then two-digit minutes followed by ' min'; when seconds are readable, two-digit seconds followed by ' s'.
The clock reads 12 h 42 min
